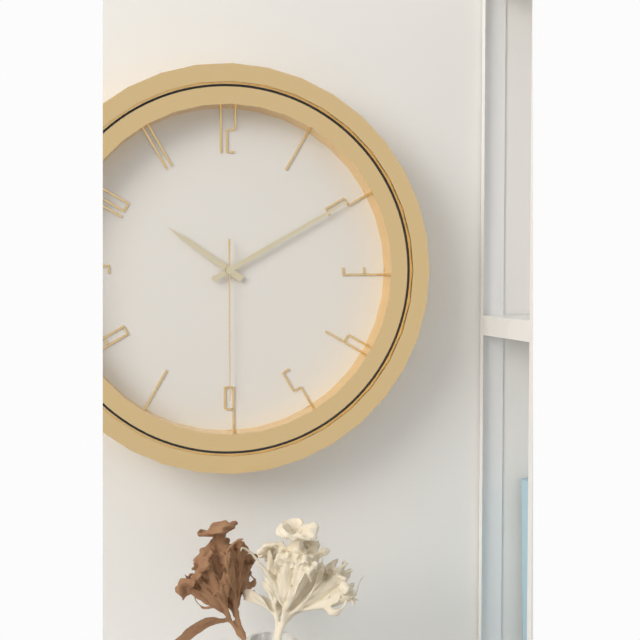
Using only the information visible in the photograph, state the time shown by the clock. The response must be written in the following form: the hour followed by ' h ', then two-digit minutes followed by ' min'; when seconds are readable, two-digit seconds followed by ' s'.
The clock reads 10 h 10 min 30 s
